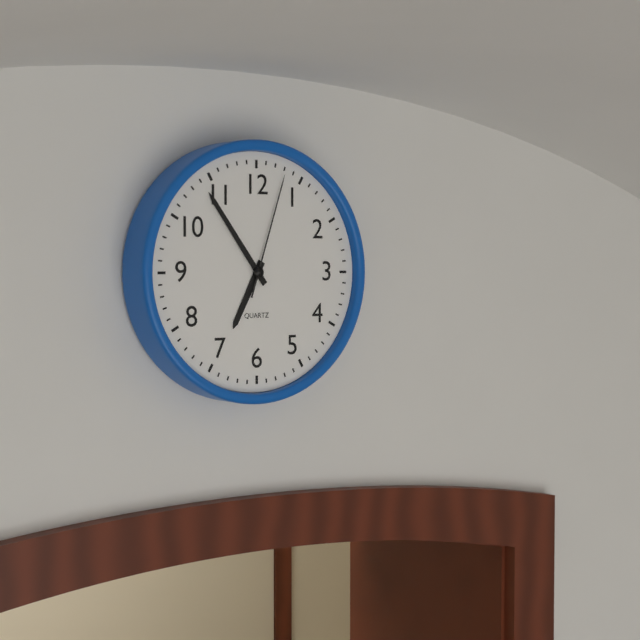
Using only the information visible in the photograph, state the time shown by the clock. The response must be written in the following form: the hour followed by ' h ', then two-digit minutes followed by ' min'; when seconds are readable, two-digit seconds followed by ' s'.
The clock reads 6 h 54 min 03 s
